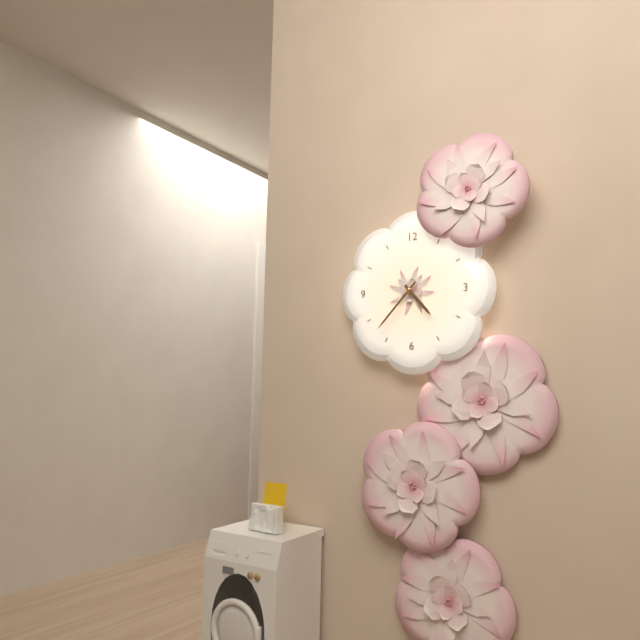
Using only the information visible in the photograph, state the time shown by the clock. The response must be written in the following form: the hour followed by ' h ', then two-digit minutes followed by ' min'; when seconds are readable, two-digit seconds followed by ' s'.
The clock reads 4 h 37 min
